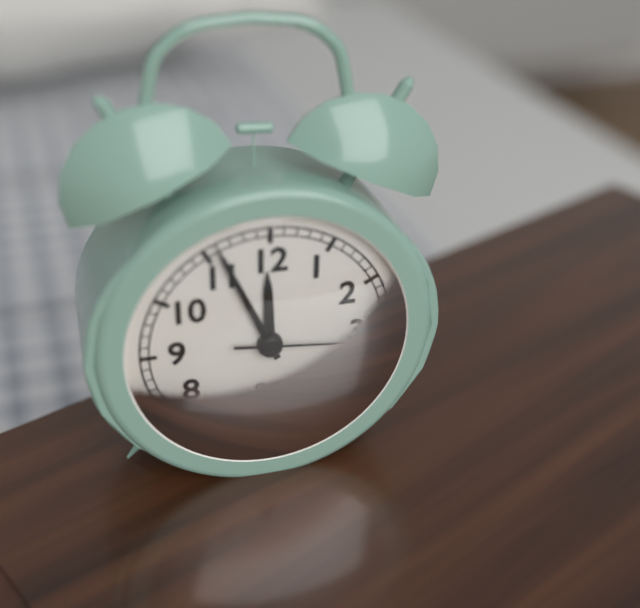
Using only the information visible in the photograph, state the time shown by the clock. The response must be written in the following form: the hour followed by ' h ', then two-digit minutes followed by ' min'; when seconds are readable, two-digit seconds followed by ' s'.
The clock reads 11 h 56 min 16 s
